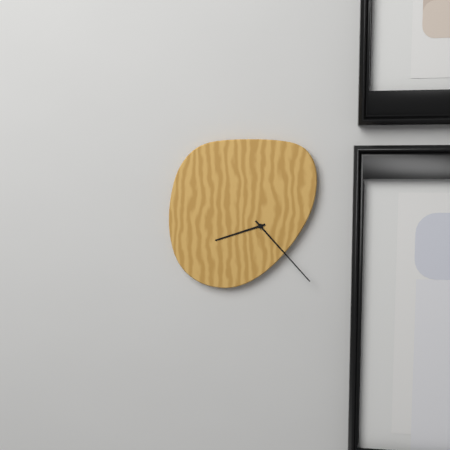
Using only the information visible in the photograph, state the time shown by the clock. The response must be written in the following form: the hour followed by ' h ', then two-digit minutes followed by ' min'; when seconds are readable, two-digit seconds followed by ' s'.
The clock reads 8 h 23 min
